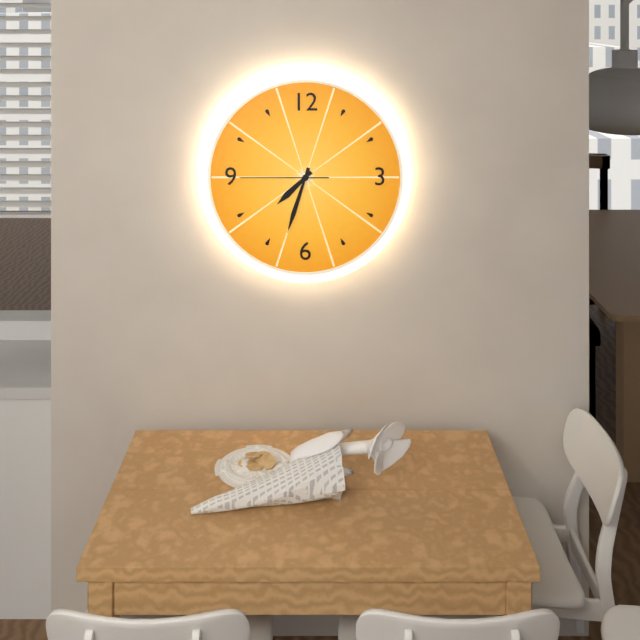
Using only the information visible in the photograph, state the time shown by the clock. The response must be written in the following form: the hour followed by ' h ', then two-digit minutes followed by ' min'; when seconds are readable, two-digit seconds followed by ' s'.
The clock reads 7 h 33 min 45 s
